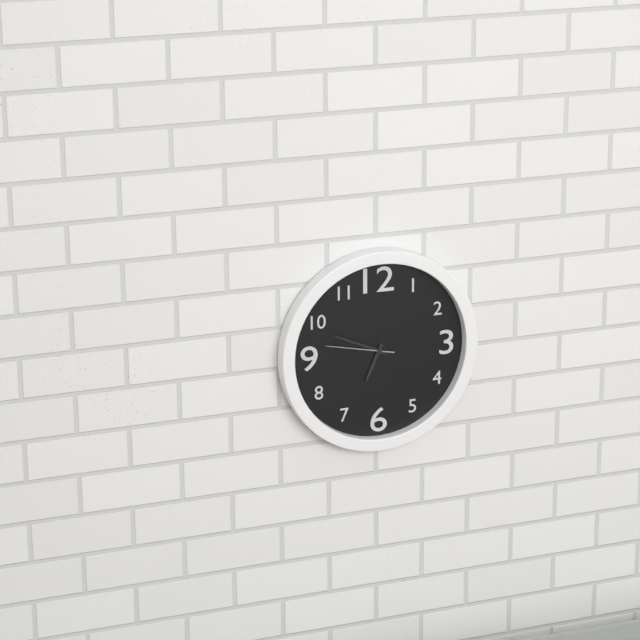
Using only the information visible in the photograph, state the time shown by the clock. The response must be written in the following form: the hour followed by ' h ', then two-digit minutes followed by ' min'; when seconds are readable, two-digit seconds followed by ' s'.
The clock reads 6 h 49 min 47 s
